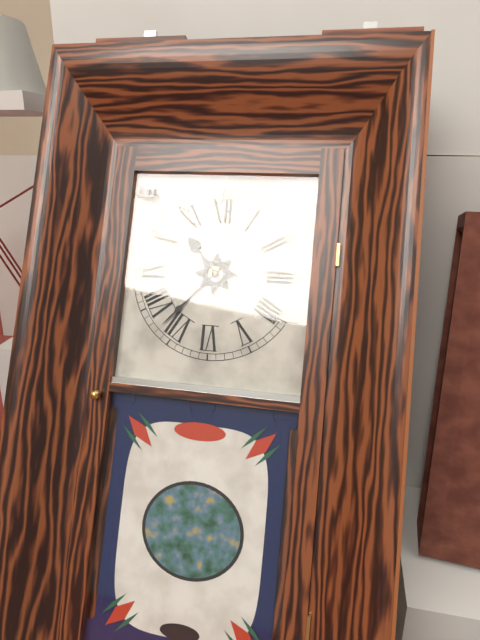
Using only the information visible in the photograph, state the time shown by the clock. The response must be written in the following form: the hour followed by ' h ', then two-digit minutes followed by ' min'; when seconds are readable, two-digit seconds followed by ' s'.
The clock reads 10 h 37 min
